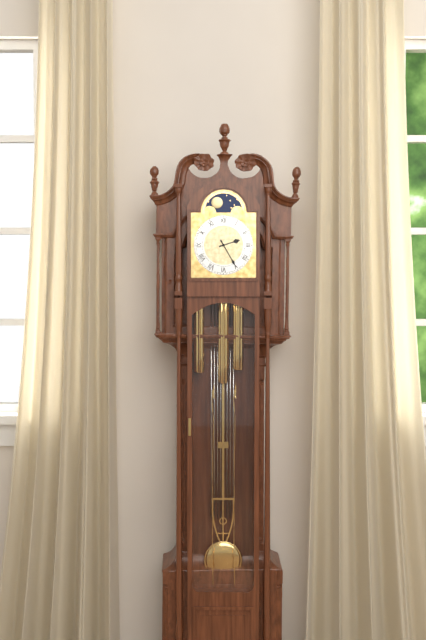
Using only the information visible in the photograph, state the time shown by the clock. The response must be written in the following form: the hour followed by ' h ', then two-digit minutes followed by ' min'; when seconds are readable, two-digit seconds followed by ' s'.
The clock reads 2 h 25 min
